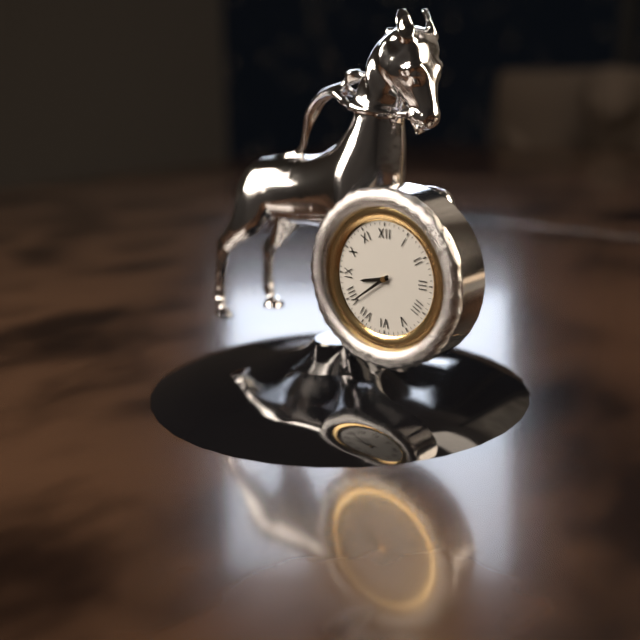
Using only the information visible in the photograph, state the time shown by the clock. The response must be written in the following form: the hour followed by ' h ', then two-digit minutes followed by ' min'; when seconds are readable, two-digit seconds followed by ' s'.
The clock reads 8 h 39 min
